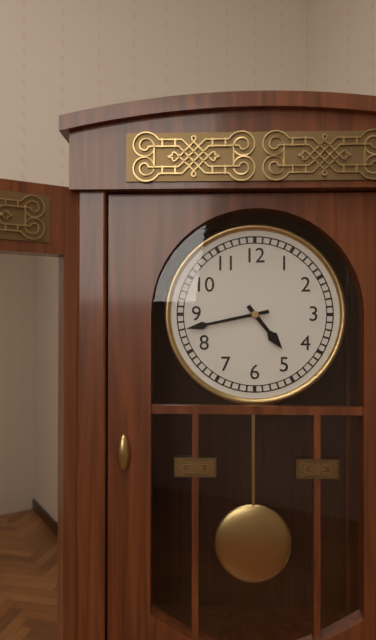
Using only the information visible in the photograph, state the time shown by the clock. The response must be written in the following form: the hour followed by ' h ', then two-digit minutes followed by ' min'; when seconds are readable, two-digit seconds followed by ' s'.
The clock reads 4 h 43 min
